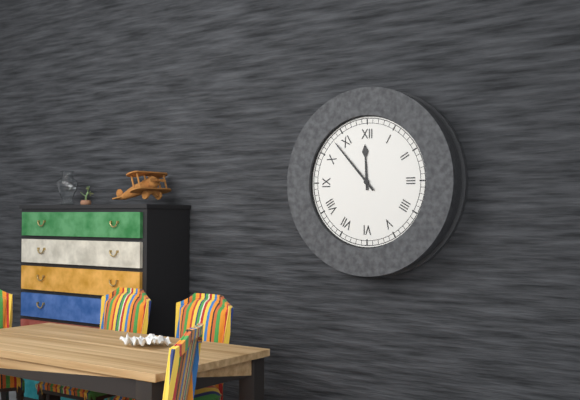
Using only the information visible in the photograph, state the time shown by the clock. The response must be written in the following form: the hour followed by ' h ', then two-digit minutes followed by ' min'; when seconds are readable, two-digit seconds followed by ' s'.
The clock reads 11 h 53 min
